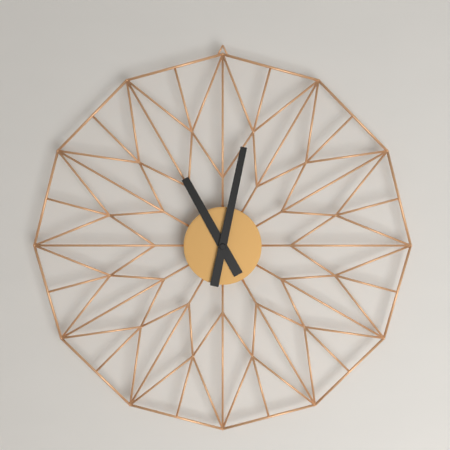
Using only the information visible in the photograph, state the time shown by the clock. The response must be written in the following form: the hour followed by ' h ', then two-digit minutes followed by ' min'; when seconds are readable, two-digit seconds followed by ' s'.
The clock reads 11 h 02 min
